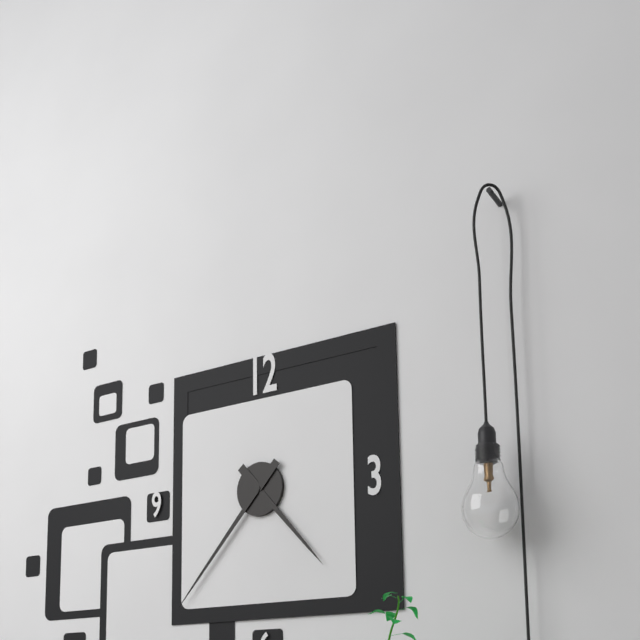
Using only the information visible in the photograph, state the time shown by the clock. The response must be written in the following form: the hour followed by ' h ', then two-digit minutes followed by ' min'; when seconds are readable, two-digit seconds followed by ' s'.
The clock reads 4 h 37 min
